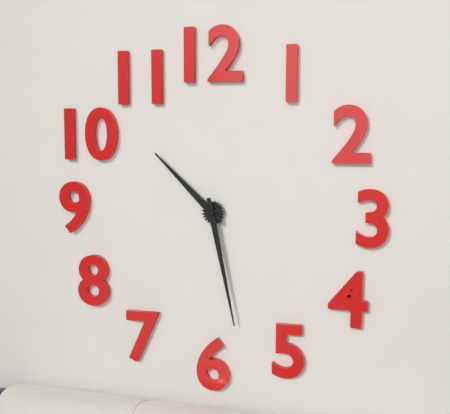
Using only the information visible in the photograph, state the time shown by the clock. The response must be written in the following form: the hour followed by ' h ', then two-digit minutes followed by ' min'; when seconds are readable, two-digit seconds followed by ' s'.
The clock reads 10 h 28 min
